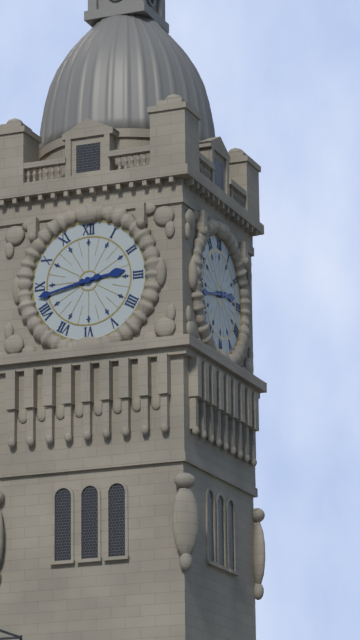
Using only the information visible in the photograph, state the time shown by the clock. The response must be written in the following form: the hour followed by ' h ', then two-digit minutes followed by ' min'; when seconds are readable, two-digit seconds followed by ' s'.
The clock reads 2 h 43 min
